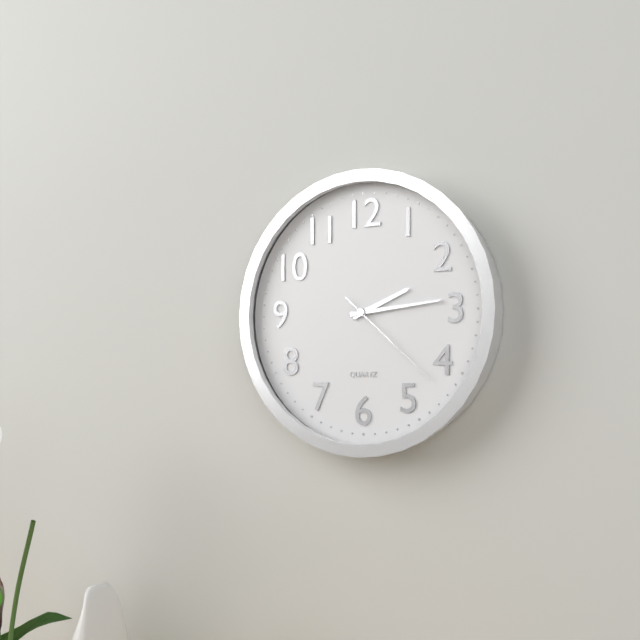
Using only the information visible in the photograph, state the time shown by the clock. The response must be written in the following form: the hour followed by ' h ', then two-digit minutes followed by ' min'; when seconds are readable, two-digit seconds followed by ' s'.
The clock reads 2 h 14 min 22 s
